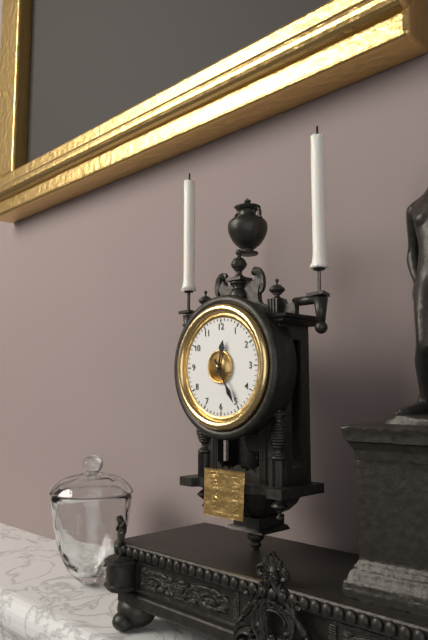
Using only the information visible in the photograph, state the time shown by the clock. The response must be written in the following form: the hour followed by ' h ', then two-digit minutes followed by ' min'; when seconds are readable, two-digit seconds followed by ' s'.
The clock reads 12 h 25 min
